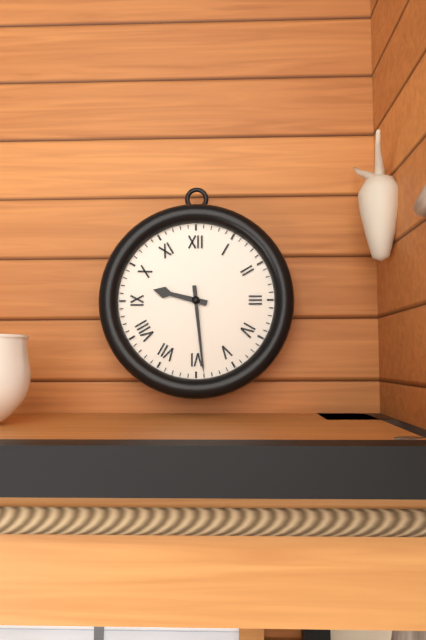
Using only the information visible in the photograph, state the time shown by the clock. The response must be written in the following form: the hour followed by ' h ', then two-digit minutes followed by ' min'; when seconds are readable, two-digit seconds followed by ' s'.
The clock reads 9 h 29 min
